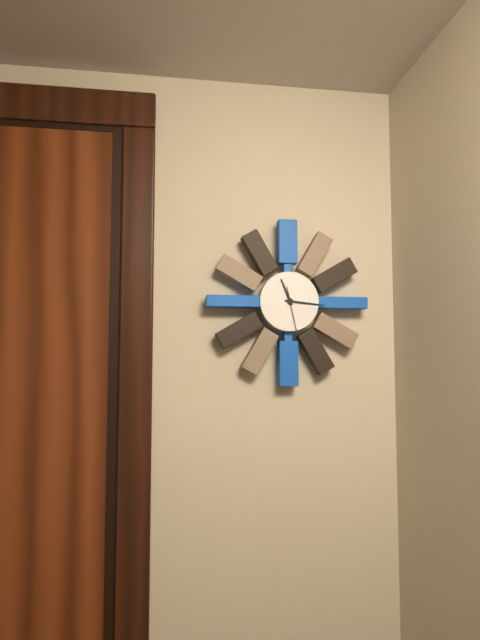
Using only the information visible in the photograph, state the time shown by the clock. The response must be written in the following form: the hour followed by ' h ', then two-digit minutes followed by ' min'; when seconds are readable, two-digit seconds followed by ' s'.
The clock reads 11 h 16 min
